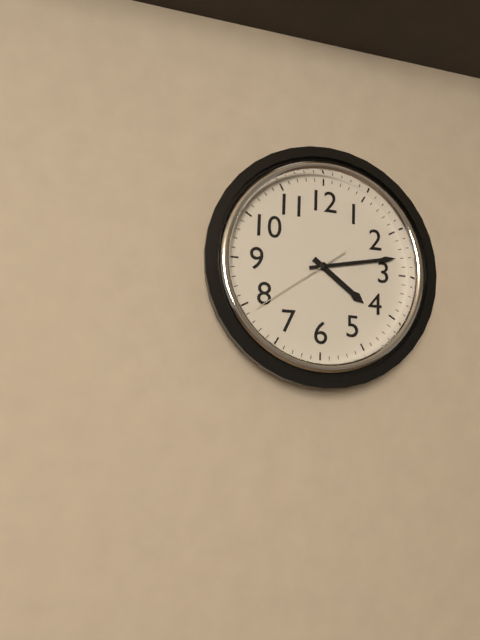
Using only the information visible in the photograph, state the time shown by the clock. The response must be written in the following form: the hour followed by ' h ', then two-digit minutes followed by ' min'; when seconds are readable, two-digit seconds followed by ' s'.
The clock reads 4 h 13 min 39 s
